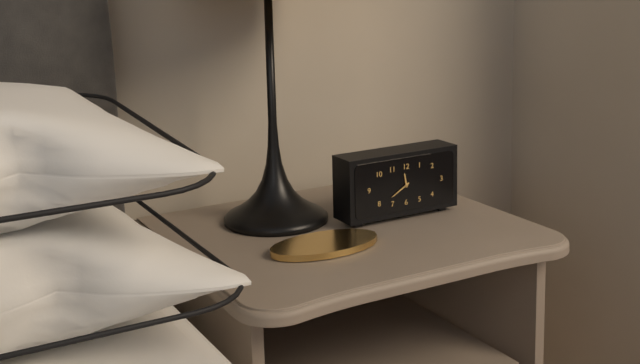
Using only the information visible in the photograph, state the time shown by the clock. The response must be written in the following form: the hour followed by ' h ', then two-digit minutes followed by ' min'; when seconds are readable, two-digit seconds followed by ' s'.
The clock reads 11 h 40 min
